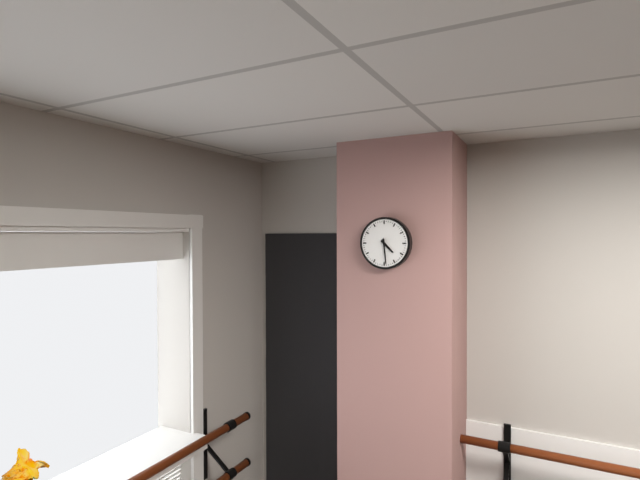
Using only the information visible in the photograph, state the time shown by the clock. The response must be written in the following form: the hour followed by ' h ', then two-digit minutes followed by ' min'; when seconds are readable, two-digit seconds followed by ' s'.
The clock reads 4 h 29 min
